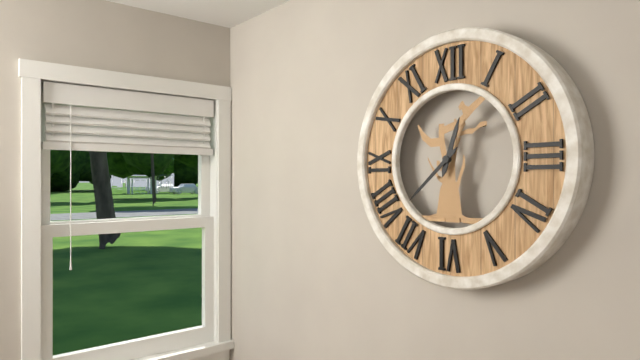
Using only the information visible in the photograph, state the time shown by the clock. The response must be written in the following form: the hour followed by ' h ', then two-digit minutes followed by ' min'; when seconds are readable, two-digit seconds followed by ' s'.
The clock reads 12 h 38 min
